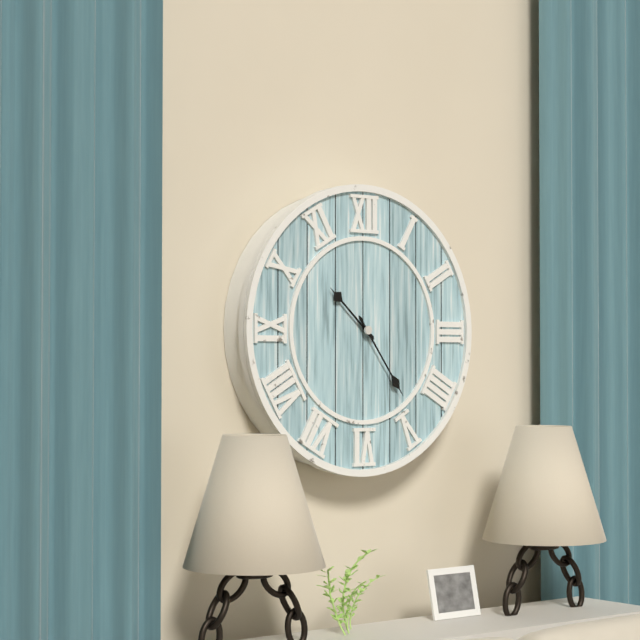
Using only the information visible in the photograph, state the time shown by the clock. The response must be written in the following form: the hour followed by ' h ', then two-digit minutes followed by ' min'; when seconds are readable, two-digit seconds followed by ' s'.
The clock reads 10 h 24 min
